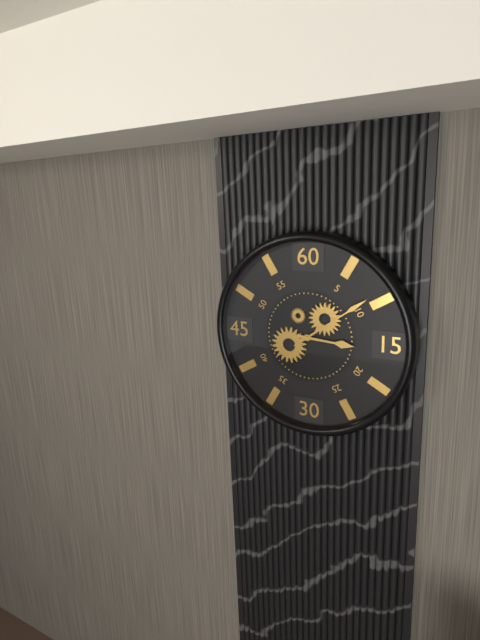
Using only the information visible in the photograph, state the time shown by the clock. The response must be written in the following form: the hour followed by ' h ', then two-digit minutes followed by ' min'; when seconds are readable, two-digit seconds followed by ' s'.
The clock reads 3 h 09 min
